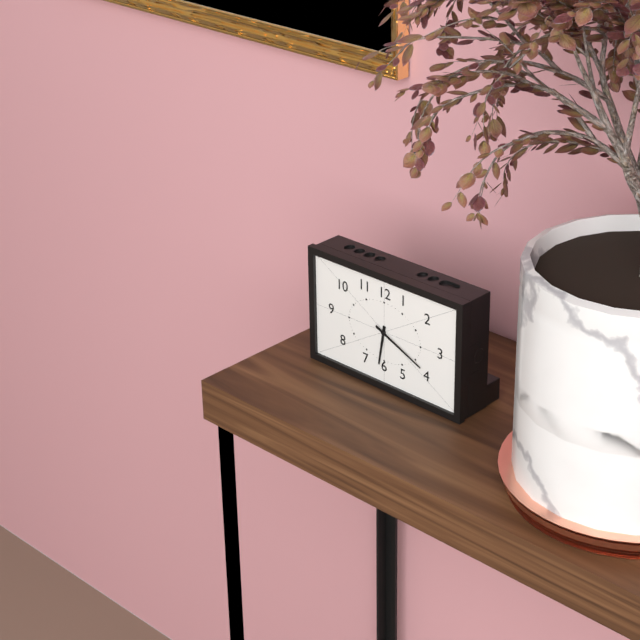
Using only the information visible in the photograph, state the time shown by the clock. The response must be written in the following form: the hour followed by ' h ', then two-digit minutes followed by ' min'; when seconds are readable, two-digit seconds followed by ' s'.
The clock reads 6 h 19 min
